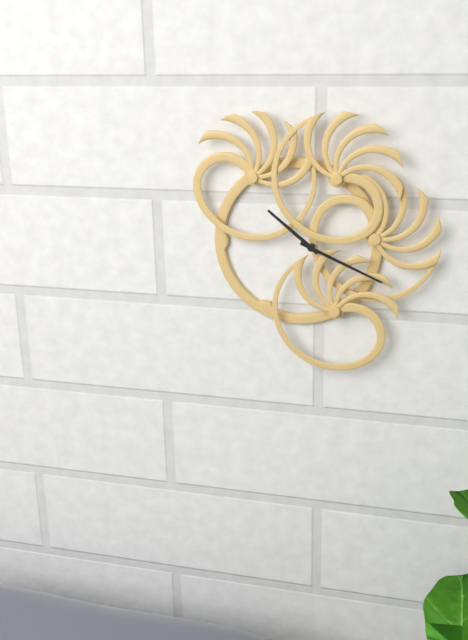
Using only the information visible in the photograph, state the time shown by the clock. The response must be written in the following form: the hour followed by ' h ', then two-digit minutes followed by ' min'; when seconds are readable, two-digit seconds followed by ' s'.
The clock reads 10 h 19 min
